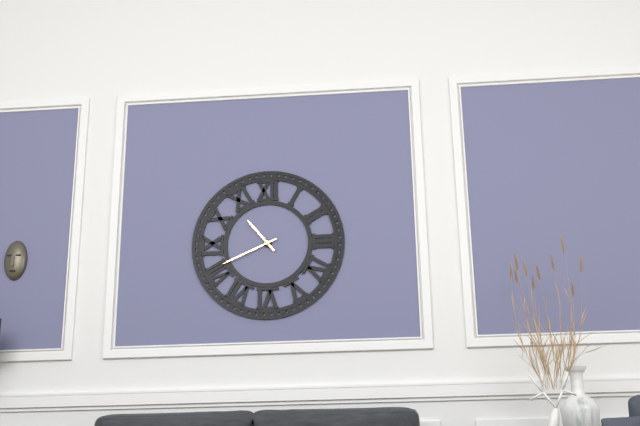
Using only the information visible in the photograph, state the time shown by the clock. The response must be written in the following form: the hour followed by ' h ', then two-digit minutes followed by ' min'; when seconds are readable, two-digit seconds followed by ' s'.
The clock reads 10 h 41 min
